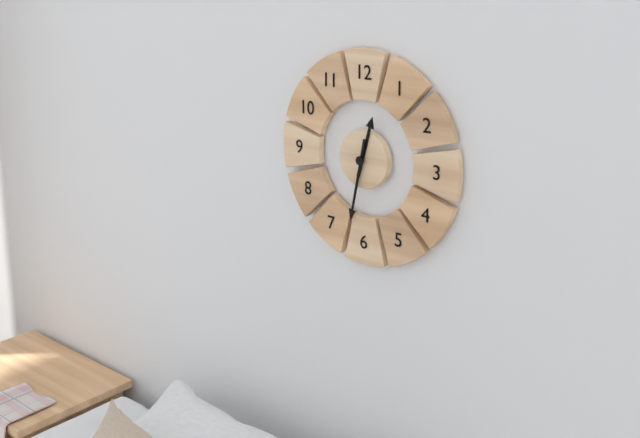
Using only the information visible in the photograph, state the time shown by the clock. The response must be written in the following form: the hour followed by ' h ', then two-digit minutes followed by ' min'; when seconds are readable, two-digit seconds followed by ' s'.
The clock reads 12 h 32 min
